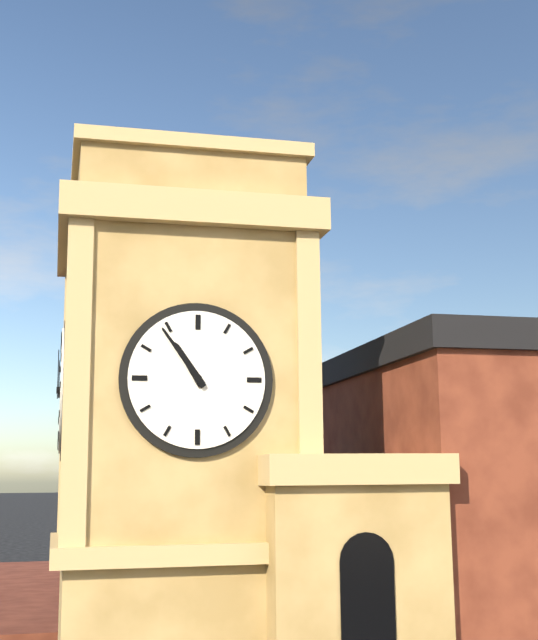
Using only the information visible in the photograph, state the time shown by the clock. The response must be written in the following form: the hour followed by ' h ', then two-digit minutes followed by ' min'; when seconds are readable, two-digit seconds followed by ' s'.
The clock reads 10 h 54 min
